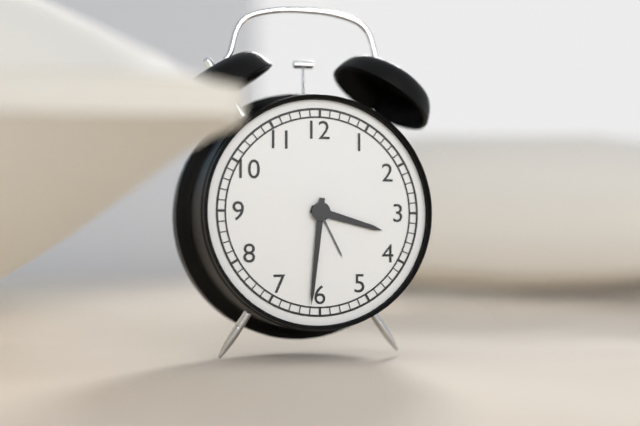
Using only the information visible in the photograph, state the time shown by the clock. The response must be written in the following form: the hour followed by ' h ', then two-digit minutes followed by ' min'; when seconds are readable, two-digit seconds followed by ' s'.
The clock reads 3 h 31 min
